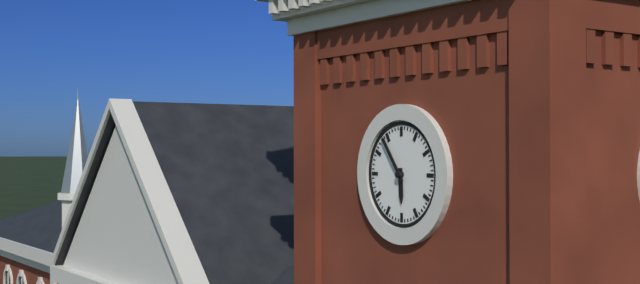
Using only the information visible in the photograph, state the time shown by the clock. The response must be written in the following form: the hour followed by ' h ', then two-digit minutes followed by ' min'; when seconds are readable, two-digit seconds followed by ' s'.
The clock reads 5 h 54 min
